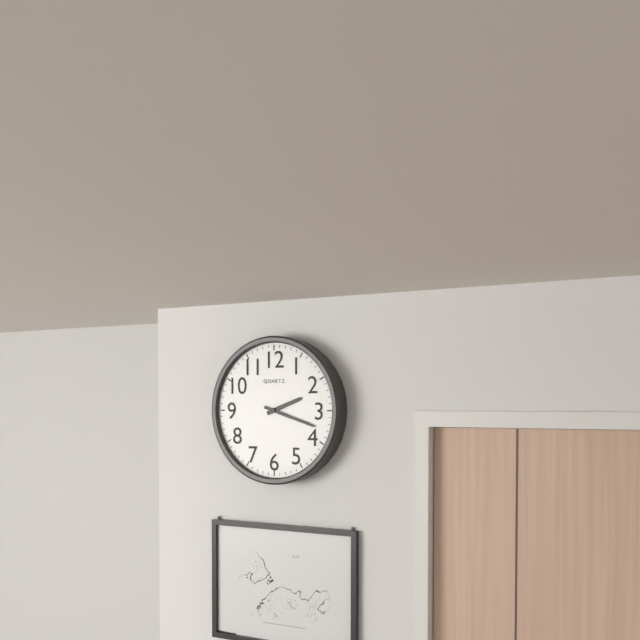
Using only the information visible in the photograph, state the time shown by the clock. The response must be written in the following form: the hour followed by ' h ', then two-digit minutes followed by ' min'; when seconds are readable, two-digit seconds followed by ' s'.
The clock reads 2 h 18 min
